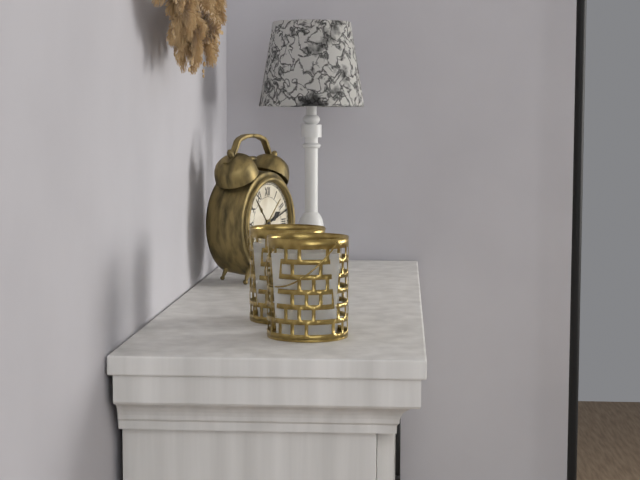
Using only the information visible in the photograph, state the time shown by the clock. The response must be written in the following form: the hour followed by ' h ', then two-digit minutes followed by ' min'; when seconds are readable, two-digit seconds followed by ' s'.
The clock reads 2 h 12 min
